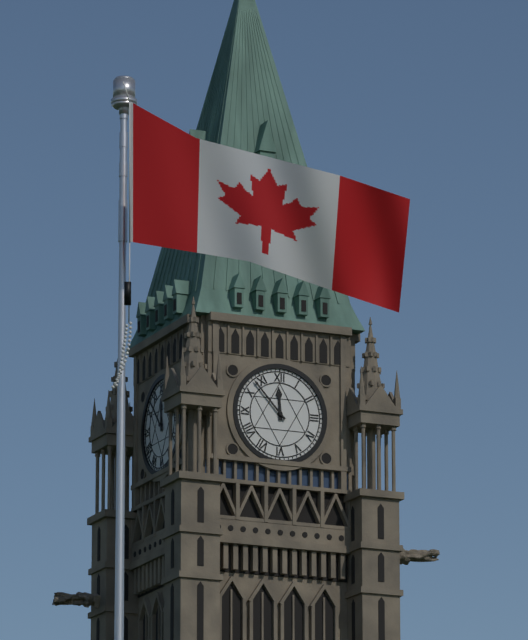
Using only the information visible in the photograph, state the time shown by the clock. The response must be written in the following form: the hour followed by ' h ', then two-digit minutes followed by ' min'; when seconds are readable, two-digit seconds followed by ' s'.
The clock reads 11 h 53 min
